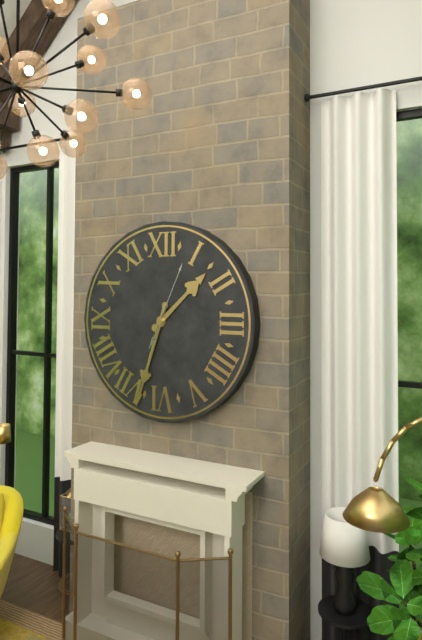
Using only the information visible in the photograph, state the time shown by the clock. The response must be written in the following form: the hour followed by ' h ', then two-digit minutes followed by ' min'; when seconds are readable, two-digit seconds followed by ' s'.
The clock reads 1 h 33 min 04 s
